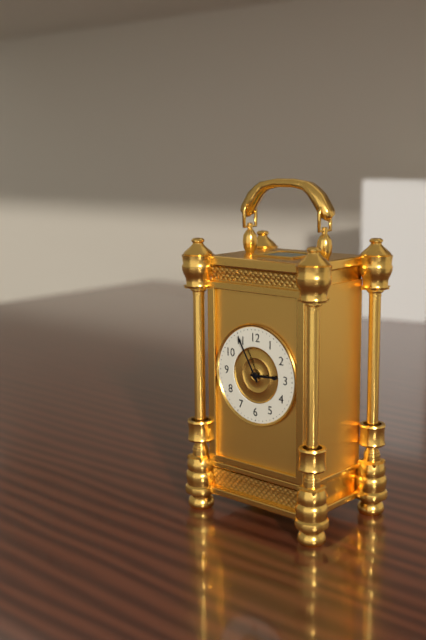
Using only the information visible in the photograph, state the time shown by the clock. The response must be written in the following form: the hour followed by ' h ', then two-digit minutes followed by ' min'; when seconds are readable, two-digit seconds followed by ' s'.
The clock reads 2 h 55 min
